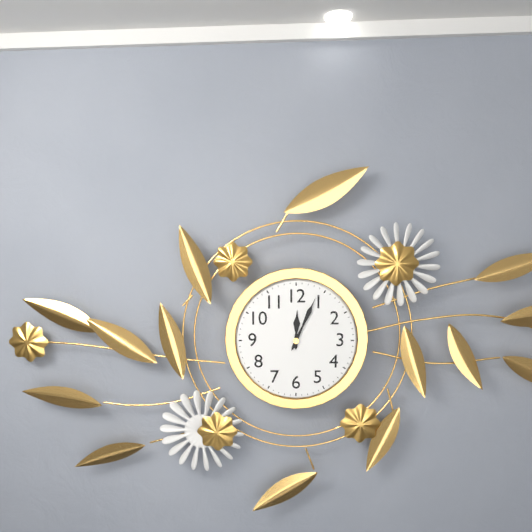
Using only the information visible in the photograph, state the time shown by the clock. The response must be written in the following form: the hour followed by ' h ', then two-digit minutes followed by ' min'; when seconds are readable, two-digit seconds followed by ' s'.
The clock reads 12 h 04 min
